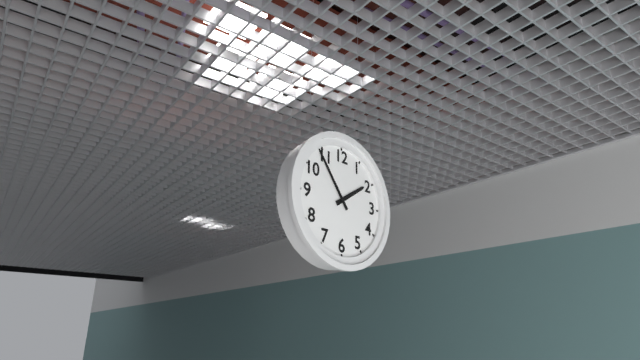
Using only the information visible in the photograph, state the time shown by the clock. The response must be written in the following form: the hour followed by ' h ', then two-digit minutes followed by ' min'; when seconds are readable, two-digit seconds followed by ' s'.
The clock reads 1 h 54 min
